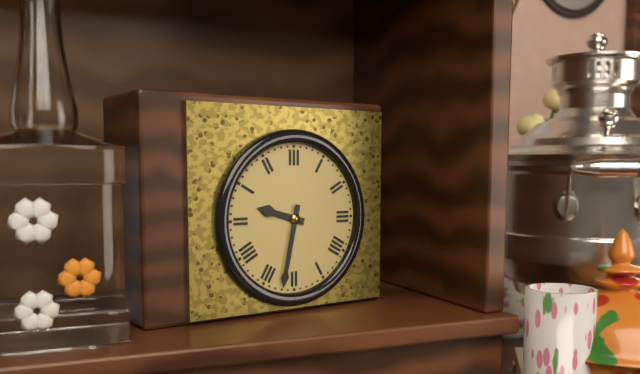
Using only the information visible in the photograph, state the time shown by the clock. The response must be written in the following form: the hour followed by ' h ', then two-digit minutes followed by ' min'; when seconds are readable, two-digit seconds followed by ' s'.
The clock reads 9 h 32 min
